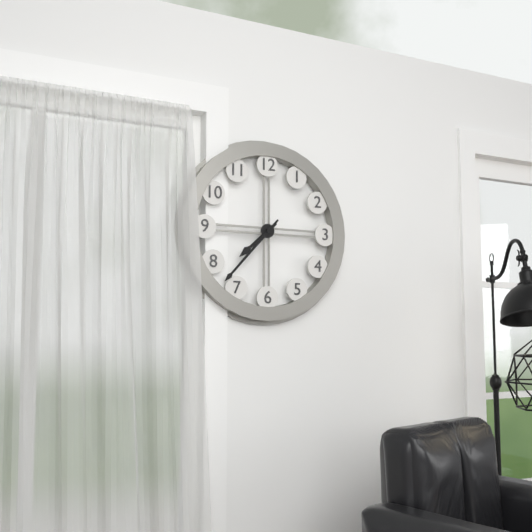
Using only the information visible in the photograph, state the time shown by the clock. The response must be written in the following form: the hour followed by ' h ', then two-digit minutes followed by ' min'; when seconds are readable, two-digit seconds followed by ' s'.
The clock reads 7 h 37 min
